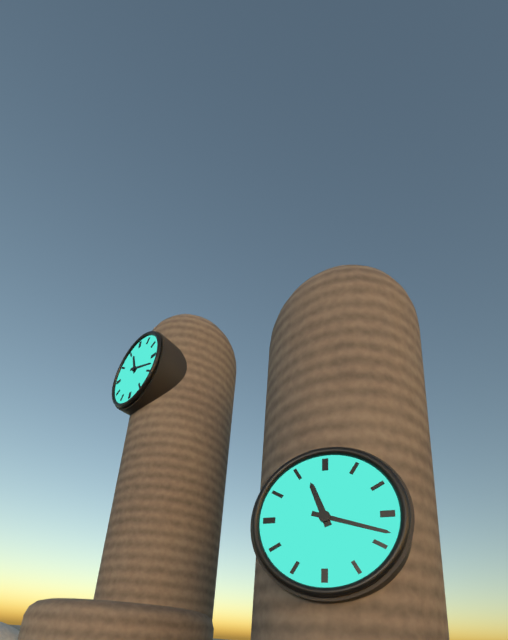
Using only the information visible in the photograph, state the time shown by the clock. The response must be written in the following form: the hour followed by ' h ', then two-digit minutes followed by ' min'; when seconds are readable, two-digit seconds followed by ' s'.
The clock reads 11 h 18 min
